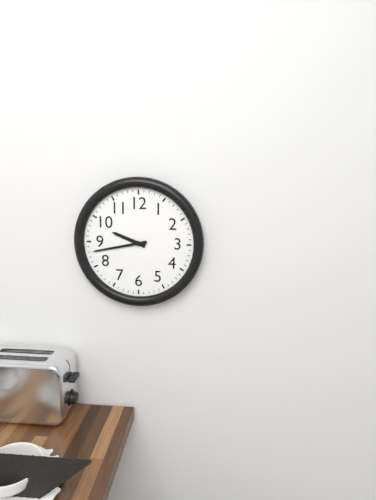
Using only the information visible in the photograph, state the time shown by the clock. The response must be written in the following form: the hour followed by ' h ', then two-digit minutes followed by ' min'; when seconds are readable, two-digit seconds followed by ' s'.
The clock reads 9 h 43 min
